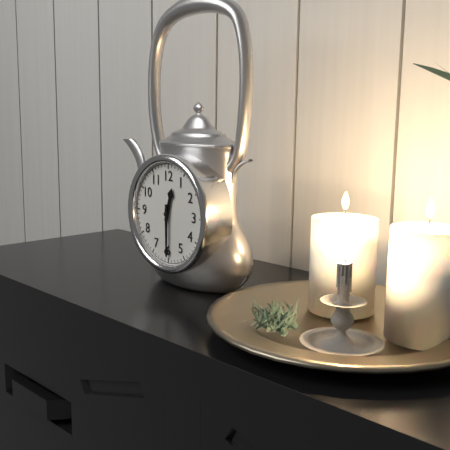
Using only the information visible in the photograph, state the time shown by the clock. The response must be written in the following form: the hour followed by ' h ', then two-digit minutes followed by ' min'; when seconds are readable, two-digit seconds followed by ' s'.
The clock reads 12 h 30 min
